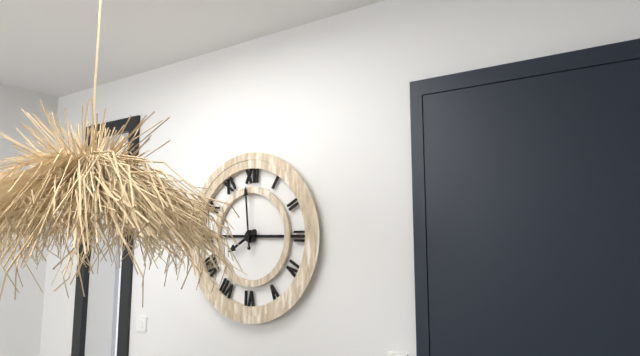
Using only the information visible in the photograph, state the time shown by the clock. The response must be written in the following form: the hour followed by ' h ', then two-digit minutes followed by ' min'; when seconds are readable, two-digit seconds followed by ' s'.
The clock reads 7 h 59 min
